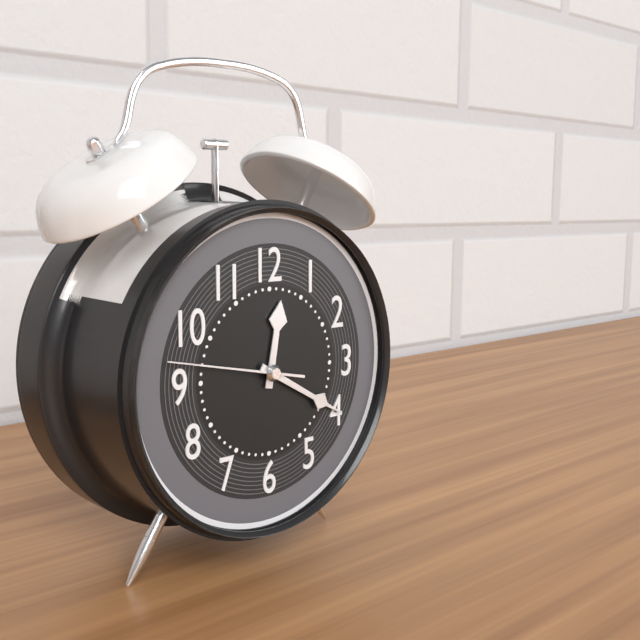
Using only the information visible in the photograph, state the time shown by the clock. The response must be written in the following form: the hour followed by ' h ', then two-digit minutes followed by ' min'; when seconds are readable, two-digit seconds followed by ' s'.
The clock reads 12 h 20 min 47 s
